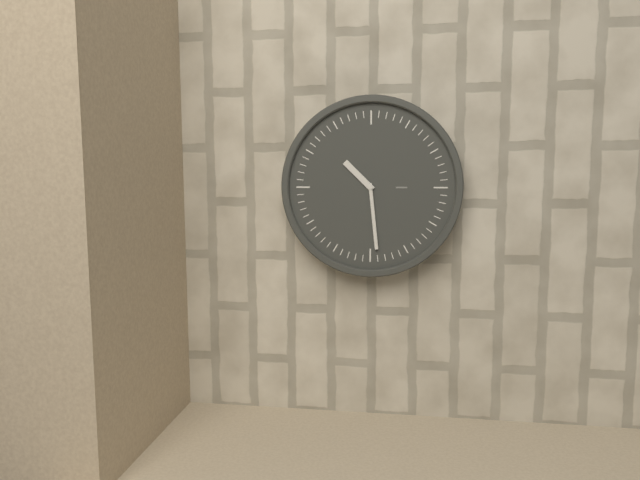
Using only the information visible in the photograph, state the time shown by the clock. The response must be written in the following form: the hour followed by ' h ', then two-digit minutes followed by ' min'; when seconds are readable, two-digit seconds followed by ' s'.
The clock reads 10 h 29 min
